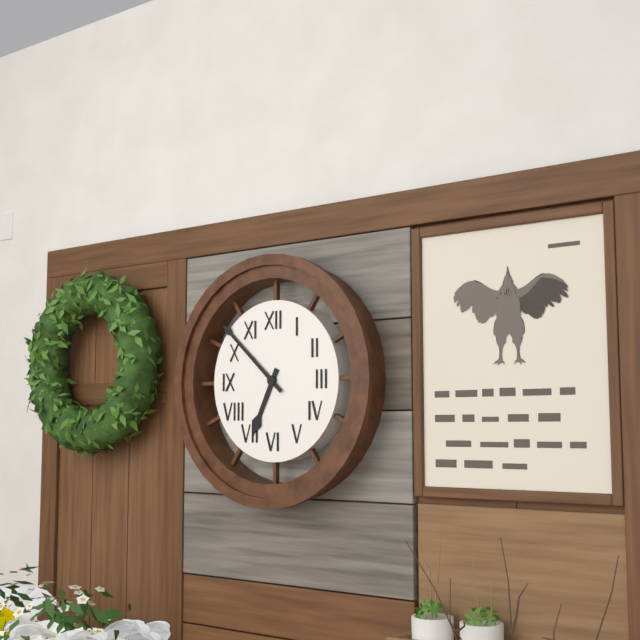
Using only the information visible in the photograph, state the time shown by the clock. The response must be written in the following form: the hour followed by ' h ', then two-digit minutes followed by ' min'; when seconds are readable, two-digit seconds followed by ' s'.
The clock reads 6 h 52 min
